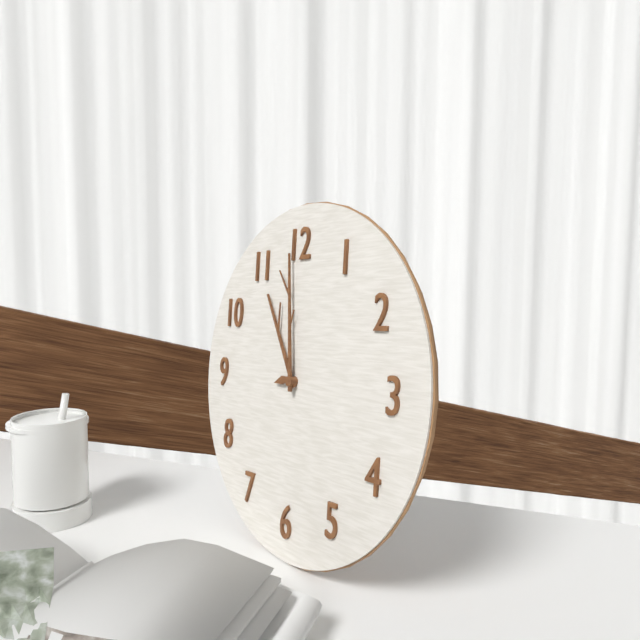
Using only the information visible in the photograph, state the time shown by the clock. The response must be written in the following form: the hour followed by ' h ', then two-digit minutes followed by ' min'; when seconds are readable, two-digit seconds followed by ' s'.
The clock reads 10 h 59 min
